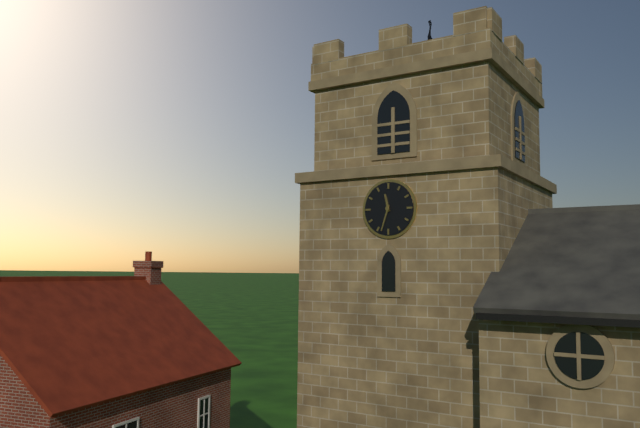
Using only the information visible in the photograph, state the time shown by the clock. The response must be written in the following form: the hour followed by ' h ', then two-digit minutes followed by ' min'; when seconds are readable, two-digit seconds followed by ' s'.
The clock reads 11 h 33 min
